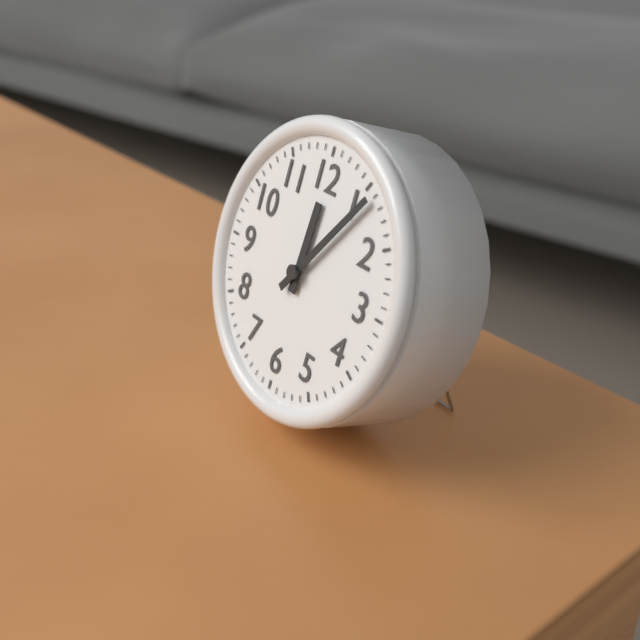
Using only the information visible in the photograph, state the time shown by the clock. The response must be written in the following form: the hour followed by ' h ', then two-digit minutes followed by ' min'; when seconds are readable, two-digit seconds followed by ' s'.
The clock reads 12 h 06 min
